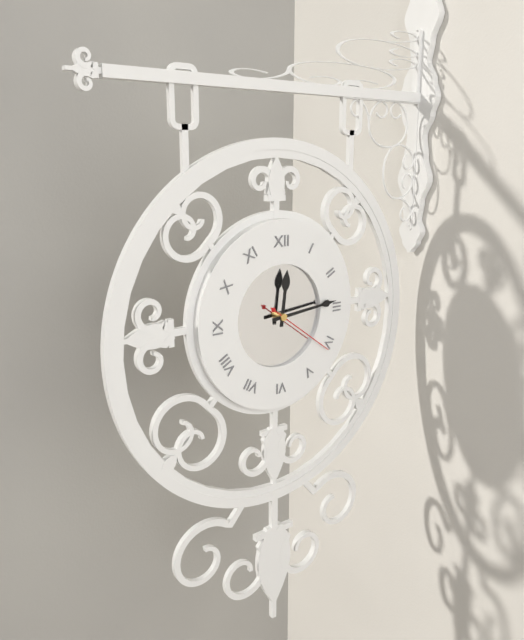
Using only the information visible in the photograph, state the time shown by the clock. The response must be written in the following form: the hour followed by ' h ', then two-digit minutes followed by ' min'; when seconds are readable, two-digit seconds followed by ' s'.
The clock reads 12 h 14 min 21 s
